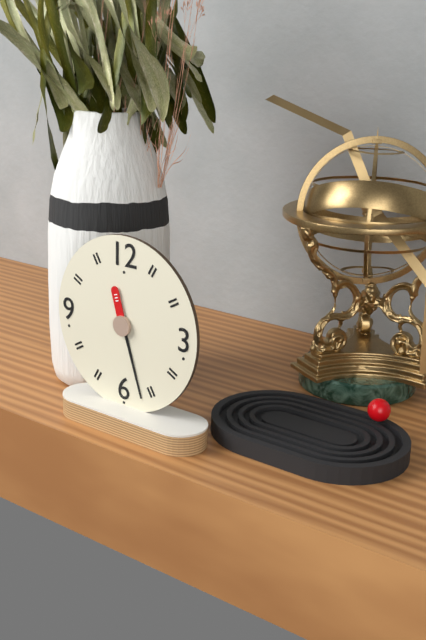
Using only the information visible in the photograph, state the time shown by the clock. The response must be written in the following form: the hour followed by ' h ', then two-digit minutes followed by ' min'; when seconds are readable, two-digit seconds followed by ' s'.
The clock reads 11 h 27 min
